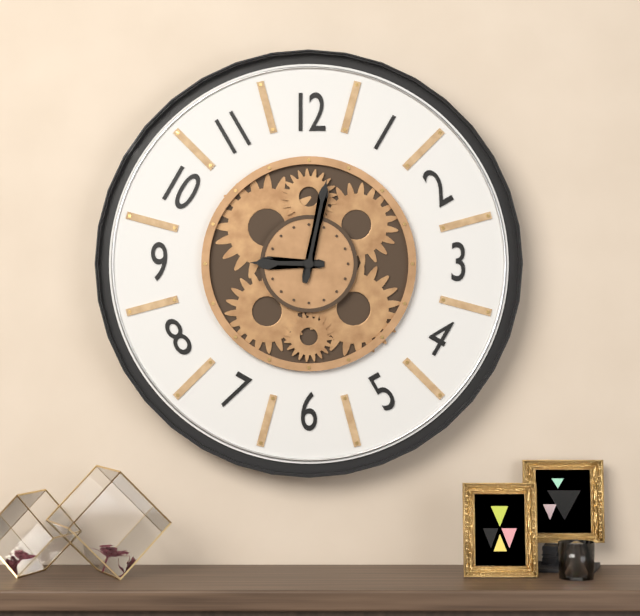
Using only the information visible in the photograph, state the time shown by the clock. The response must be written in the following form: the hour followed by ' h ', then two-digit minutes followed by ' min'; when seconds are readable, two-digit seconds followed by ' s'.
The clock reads 9 h 02 min
